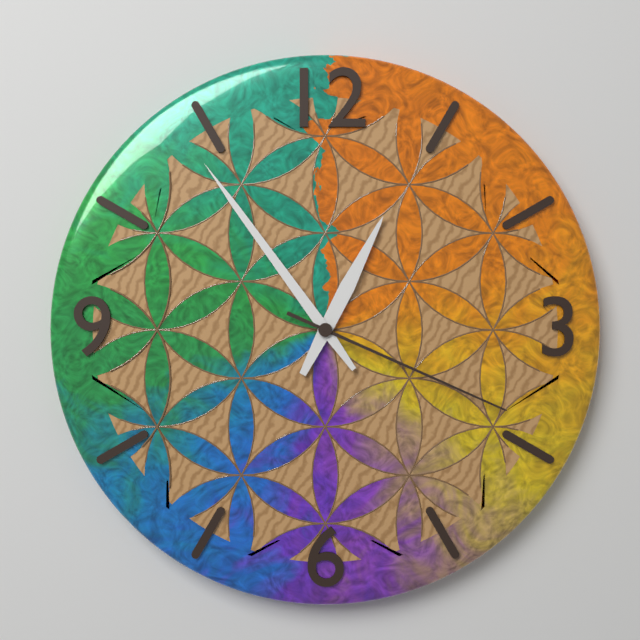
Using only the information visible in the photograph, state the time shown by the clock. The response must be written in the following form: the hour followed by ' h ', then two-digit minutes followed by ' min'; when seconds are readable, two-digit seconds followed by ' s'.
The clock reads 12 h 54 min 19 s
